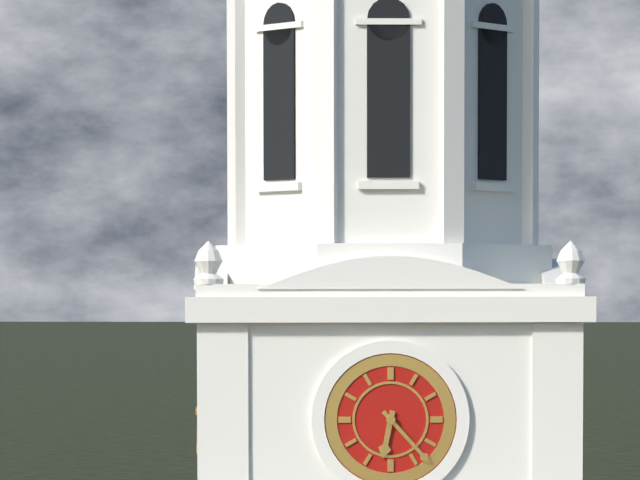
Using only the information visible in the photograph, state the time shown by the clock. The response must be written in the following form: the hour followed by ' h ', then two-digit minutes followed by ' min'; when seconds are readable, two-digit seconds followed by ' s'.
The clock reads 6 h 23 min
